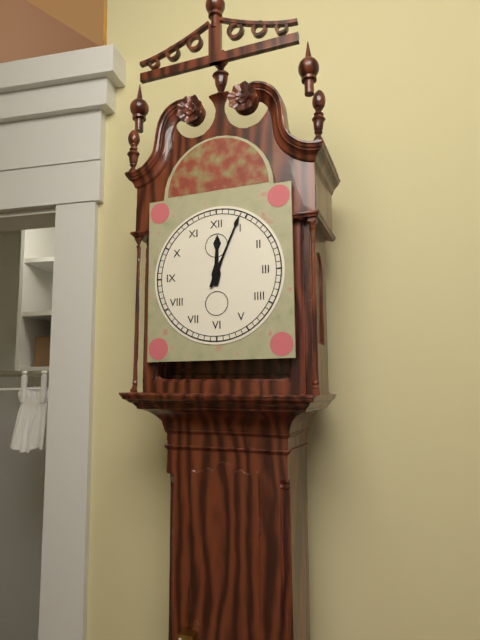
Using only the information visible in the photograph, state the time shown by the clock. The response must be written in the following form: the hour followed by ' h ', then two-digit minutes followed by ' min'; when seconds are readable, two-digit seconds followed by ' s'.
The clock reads 12 h 04 min
